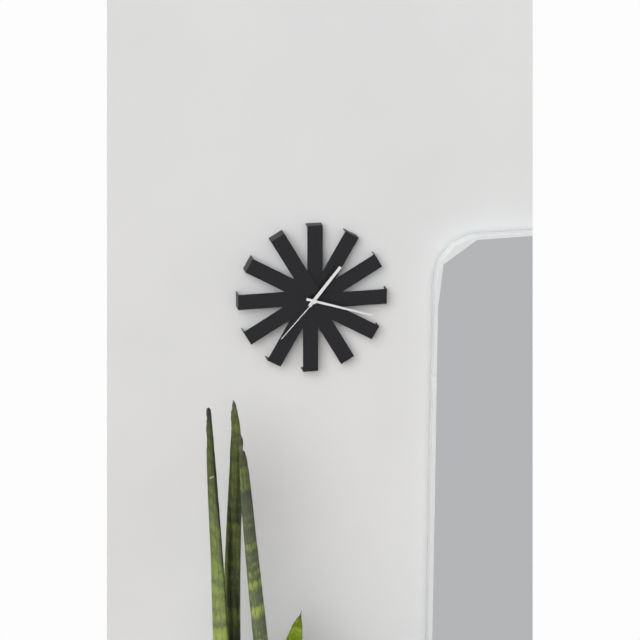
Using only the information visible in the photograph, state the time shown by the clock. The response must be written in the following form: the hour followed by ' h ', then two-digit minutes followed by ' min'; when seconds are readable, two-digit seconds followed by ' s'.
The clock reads 1 h 18 min 37 s
